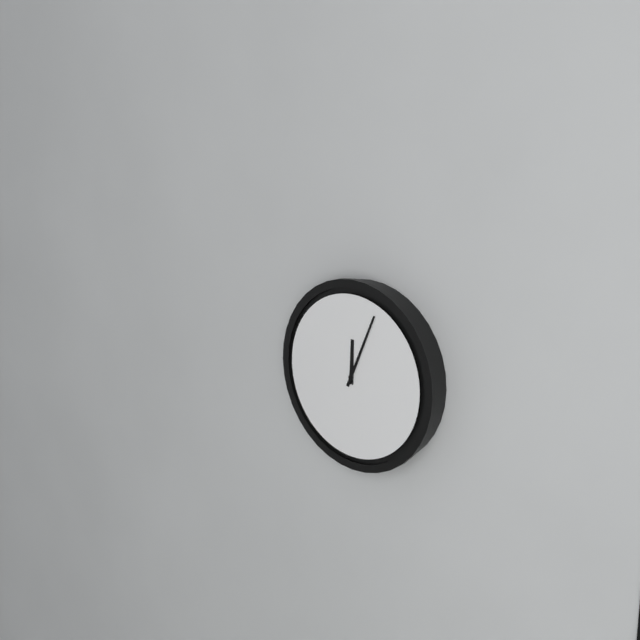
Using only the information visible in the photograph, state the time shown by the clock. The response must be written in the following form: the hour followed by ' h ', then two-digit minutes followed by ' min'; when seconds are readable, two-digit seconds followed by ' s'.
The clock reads 12 h 04 min
